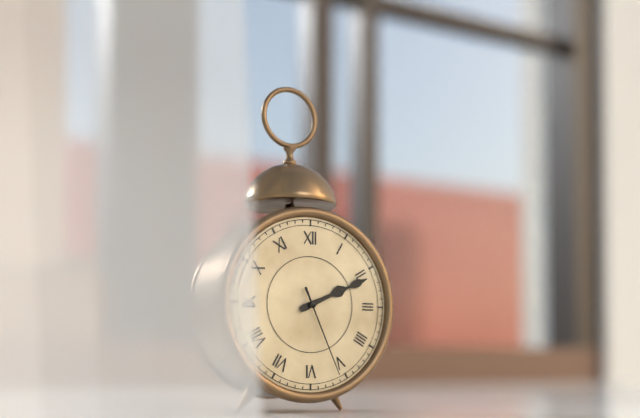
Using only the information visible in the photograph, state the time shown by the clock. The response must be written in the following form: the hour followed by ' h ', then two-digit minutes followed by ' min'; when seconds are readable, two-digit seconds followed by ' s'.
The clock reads 2 h 11 min 26 s
